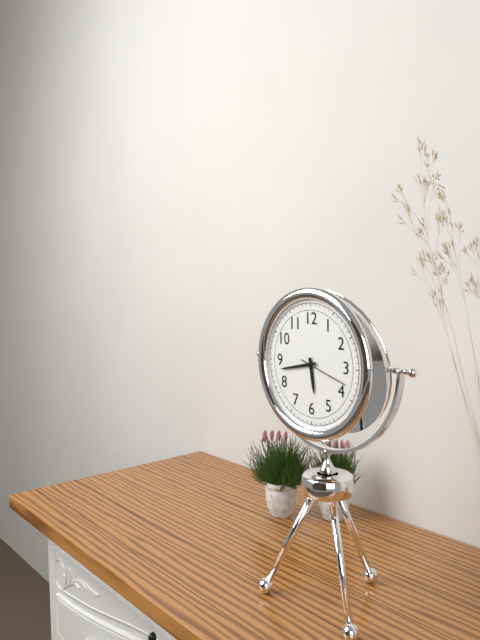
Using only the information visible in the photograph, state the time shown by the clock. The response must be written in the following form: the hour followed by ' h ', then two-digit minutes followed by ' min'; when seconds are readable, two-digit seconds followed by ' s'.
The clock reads 5 h 43 min 18 s
